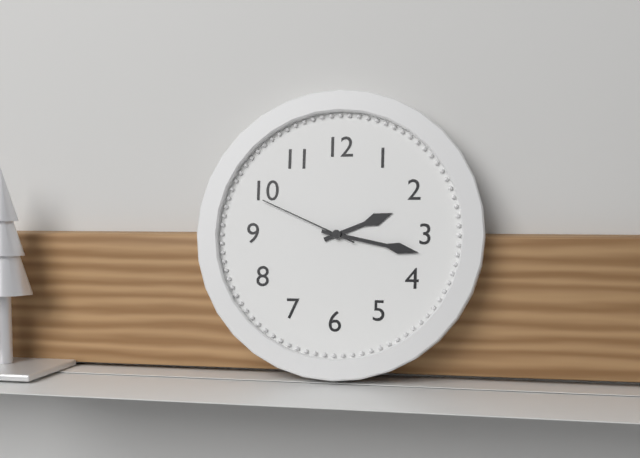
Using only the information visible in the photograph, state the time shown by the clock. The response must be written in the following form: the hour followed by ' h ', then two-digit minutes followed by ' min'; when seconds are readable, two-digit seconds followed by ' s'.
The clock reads 2 h 17 min 49 s
